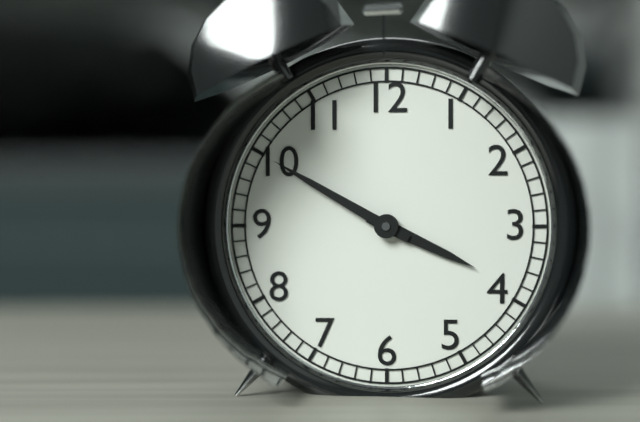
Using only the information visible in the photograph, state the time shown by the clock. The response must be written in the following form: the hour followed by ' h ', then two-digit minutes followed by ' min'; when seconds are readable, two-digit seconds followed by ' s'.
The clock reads 3 h 50 min
